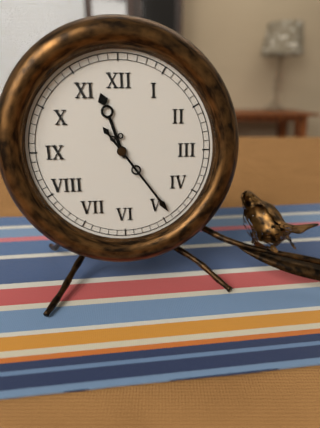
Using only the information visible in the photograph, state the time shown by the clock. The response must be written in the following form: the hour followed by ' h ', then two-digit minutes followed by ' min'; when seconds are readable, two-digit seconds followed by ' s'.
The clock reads 11 h 24 min
